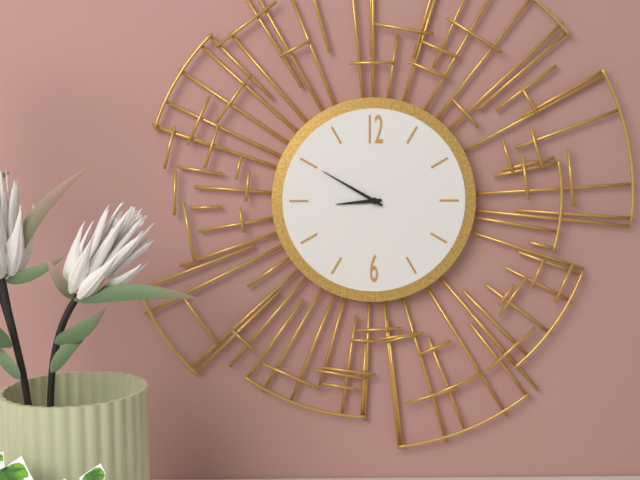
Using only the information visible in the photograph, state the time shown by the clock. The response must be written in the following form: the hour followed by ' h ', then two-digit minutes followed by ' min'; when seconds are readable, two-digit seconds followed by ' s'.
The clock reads 8 h 50 min
